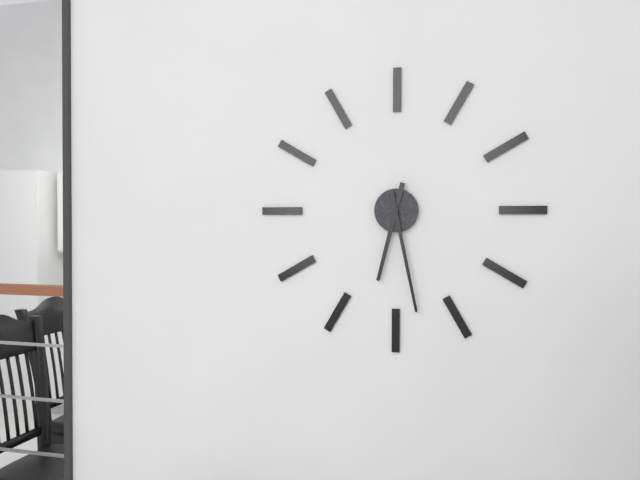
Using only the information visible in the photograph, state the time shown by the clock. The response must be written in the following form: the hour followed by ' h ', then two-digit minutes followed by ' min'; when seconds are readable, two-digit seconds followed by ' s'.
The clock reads 6 h 28 min
